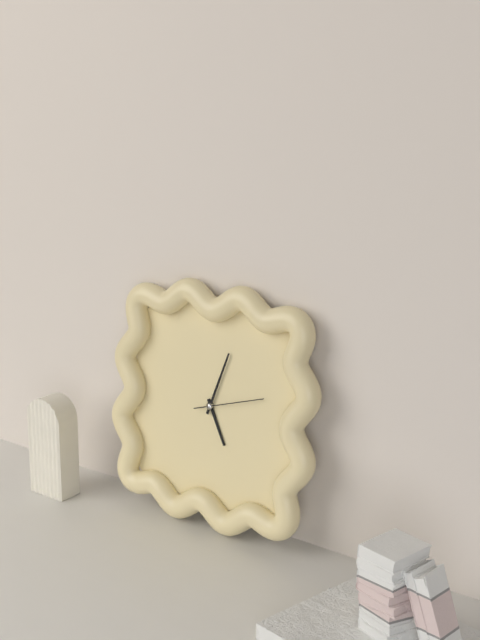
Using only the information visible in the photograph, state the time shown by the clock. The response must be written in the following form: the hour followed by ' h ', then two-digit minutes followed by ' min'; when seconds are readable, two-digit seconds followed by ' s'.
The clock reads 5 h 03 min 12 s
